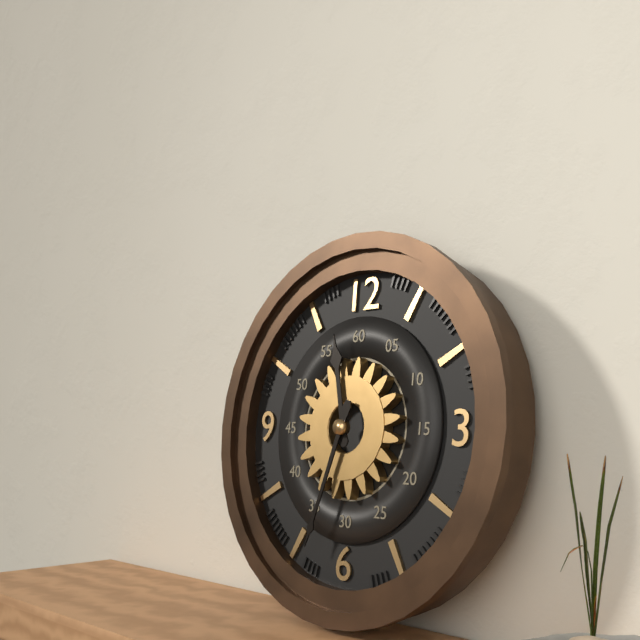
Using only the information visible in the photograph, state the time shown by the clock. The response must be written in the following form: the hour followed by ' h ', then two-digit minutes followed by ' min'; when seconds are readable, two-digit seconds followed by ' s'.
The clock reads 11 h 33 min
